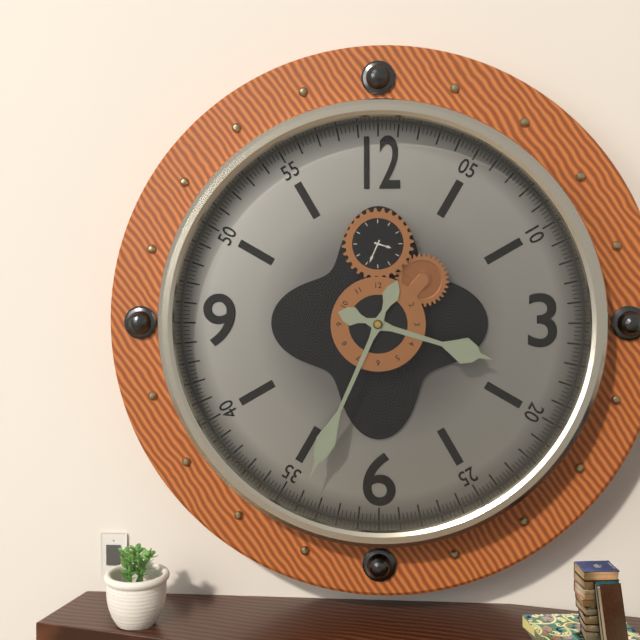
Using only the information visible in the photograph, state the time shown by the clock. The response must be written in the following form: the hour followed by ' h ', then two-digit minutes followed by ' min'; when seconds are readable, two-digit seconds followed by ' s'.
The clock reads 3 h 34 min
